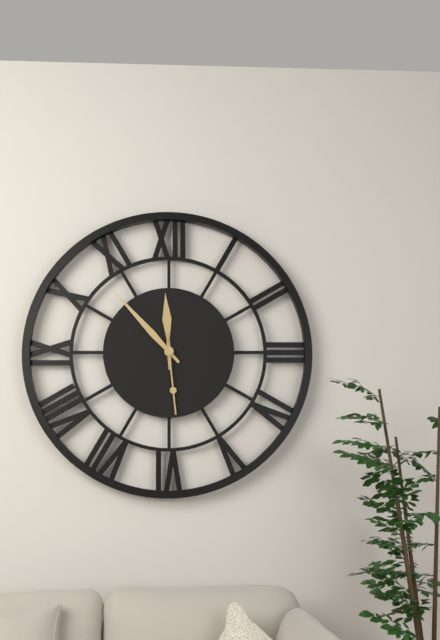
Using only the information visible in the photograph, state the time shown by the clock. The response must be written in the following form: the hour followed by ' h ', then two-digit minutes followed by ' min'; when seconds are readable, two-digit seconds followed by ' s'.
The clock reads 11 h 53 min 29 s
